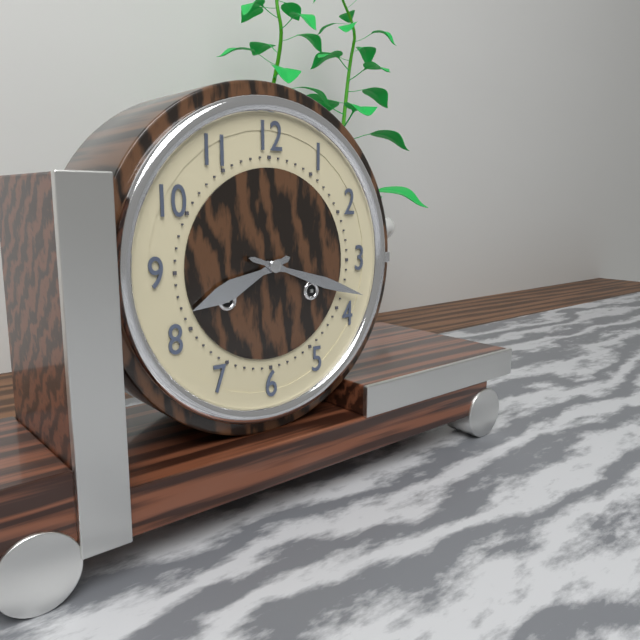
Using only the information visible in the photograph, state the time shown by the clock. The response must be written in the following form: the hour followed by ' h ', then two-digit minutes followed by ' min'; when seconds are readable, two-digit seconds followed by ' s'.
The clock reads 8 h 18 min
